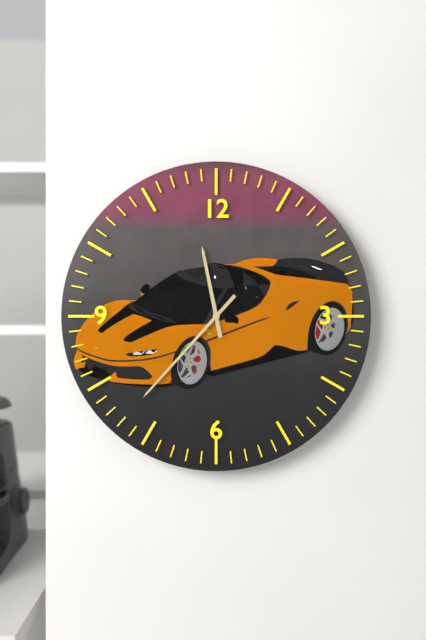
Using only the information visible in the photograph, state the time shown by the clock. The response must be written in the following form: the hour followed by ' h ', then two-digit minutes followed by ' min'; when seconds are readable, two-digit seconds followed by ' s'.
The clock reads 11 h 37 min
